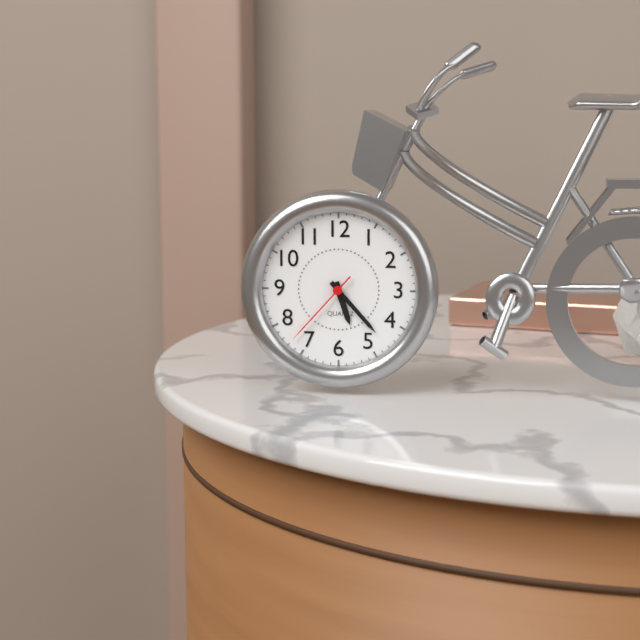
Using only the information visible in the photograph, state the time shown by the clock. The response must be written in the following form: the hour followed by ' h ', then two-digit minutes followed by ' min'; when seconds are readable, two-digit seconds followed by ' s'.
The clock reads 5 h 23 min 37 s
